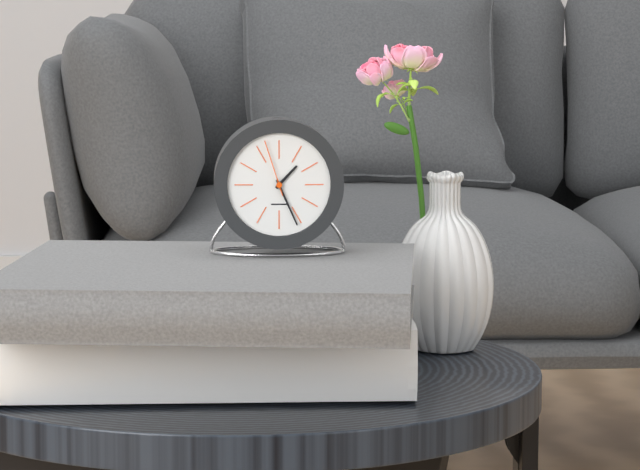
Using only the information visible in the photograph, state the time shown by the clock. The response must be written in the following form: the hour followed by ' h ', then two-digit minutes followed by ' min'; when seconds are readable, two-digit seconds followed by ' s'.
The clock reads 1 h 26 min 57 s
